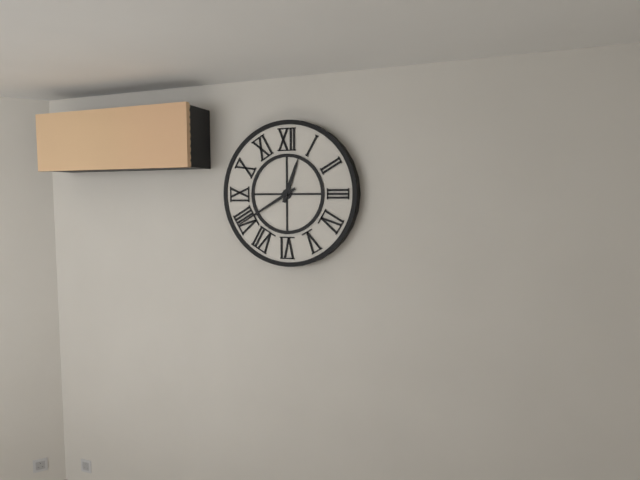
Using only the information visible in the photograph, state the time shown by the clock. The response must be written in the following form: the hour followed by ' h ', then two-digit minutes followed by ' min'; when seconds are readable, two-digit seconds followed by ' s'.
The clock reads 12 h 40 min
